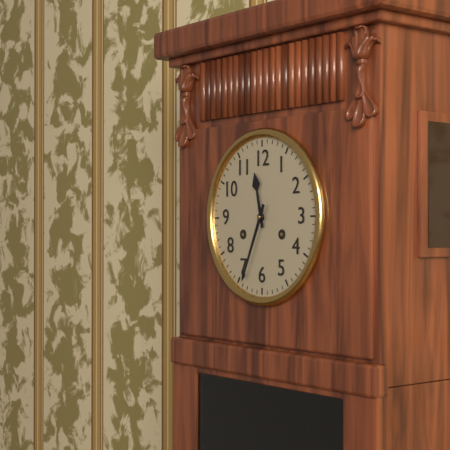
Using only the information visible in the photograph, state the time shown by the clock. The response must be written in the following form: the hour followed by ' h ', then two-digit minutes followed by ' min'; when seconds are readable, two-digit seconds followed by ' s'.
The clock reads 11 h 34 min
